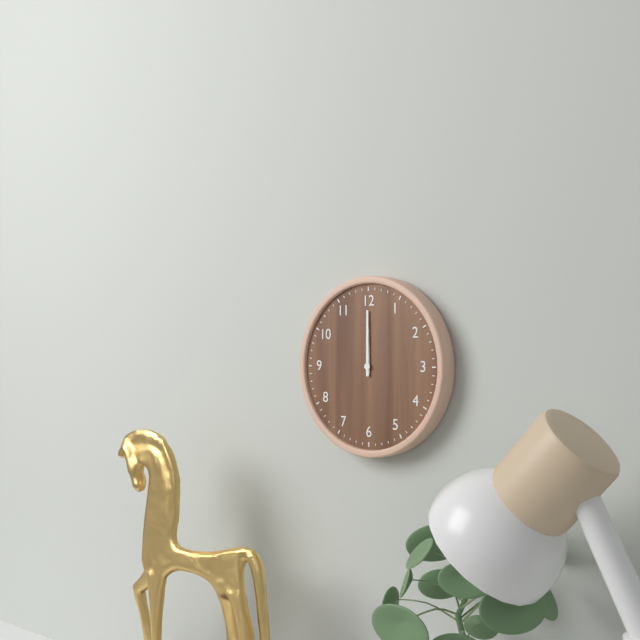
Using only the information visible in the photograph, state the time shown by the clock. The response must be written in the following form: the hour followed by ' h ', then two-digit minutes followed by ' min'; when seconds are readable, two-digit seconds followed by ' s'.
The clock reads 12 h 00 min
